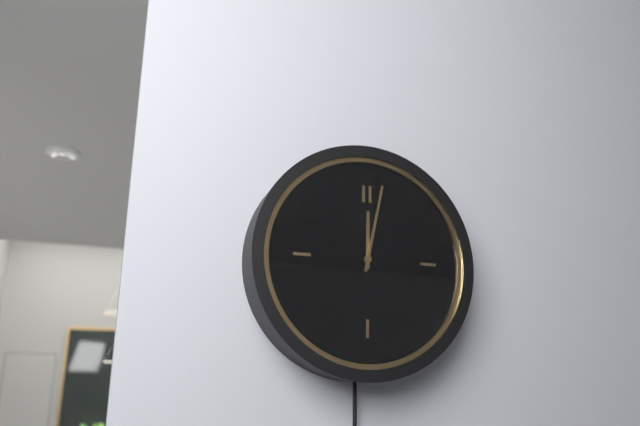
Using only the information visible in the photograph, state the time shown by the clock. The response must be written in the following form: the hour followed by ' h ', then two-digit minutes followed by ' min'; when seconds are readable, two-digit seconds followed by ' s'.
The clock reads 12 h 02 min
